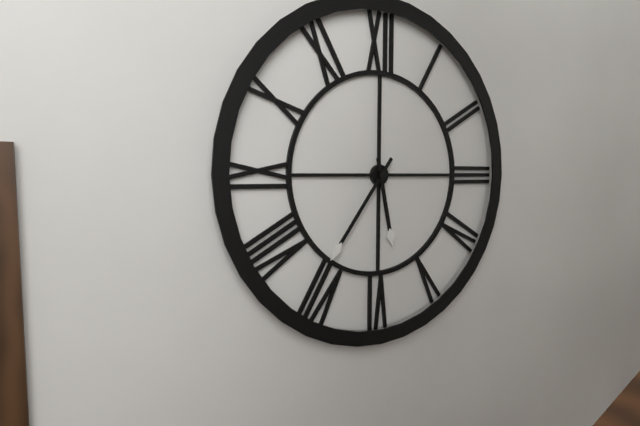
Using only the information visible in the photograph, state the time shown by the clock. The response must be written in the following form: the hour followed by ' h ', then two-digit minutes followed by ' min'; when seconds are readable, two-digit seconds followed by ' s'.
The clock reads 5 h 36 min
